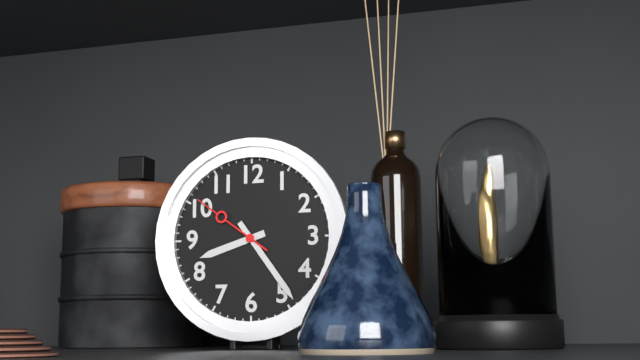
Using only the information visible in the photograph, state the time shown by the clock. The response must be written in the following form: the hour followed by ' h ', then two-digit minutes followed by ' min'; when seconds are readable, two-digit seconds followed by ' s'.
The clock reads 8 h 24 min 51 s
